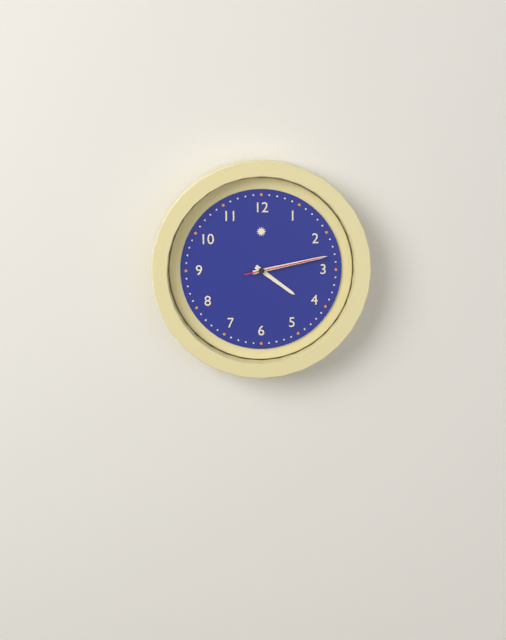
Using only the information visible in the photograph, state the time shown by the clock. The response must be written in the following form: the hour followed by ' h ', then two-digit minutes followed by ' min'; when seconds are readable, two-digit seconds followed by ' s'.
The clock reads 4 h 13 min 13 s
